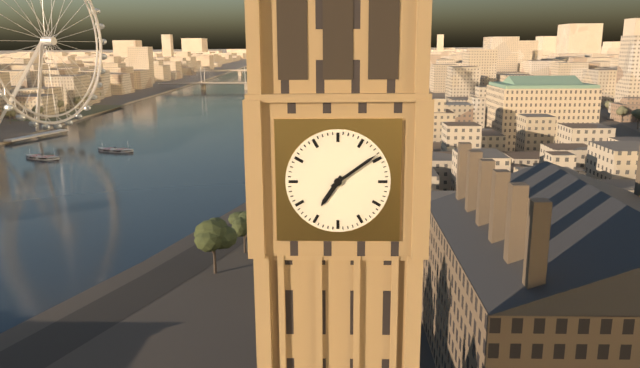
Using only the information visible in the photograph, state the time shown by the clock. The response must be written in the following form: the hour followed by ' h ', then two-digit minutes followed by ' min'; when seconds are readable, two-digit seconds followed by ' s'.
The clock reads 7 h 09 min
